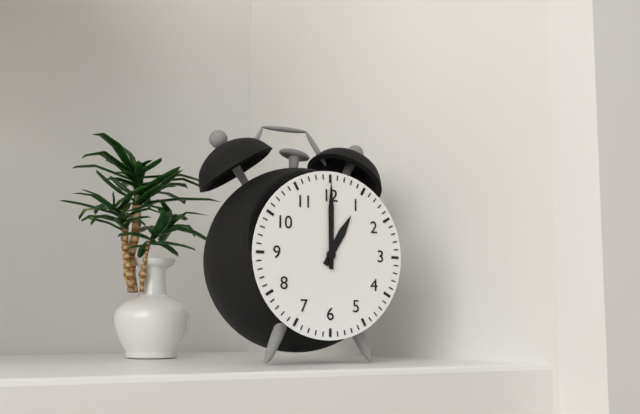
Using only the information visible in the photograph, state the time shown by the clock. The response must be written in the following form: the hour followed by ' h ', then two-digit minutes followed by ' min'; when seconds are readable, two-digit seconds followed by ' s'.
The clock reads 1 h 00 min
